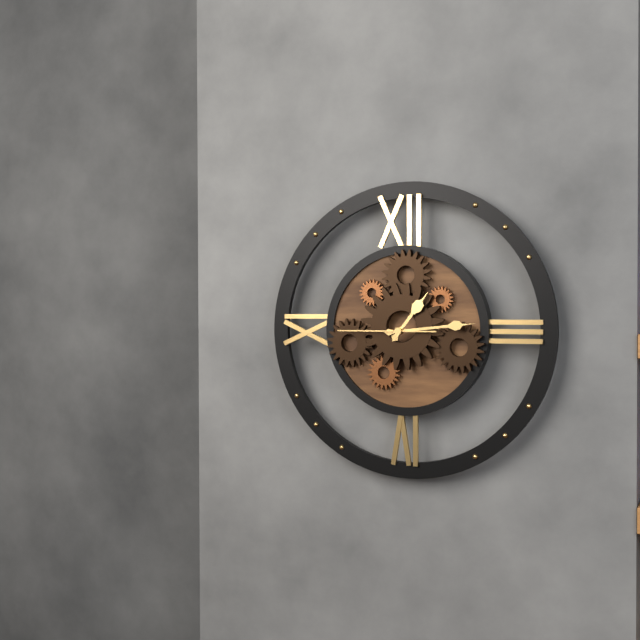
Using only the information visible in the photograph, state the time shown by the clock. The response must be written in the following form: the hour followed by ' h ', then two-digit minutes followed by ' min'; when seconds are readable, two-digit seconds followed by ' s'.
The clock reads 1 h 14 min 45 s
